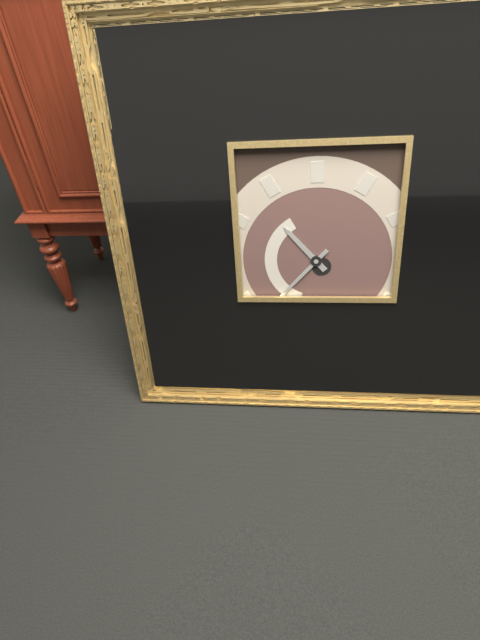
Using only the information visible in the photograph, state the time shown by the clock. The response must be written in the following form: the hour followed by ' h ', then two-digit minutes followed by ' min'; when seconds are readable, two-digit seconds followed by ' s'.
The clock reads 10 h 37 min
